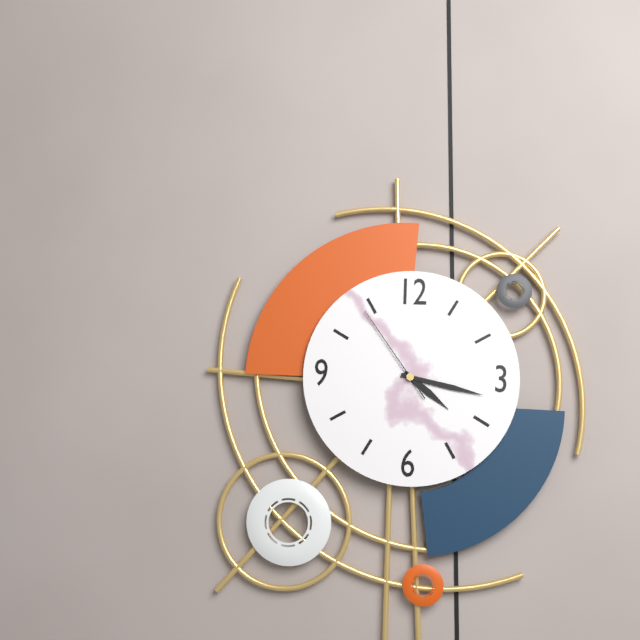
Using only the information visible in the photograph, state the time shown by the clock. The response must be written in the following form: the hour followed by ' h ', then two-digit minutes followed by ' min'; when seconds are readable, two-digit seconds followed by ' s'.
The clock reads 4 h 17 min 54 s
